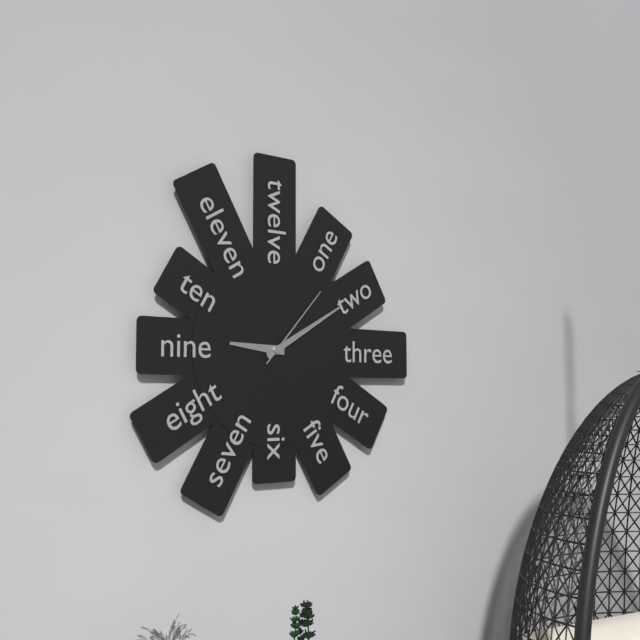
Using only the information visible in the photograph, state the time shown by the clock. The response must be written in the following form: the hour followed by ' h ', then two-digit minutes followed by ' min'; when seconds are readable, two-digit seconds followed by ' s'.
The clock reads 9 h 10 min 07 s
